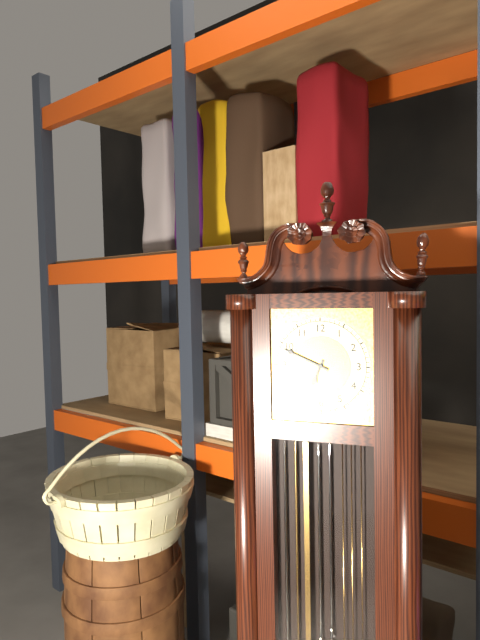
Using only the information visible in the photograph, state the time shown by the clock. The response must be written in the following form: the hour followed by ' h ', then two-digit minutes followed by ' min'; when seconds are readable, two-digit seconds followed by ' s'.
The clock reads 6 h 49 min
